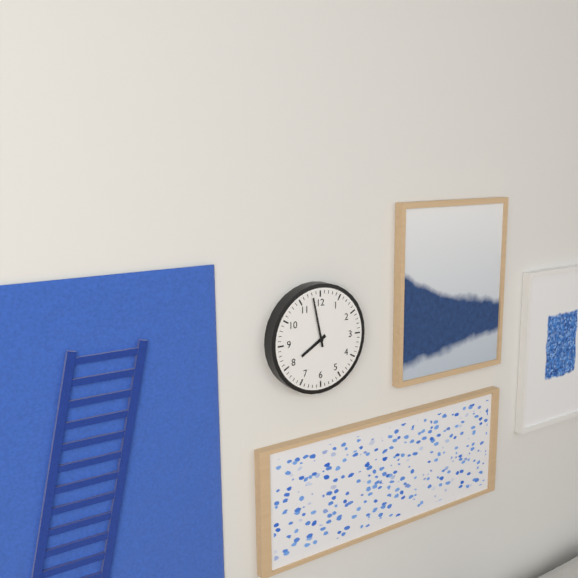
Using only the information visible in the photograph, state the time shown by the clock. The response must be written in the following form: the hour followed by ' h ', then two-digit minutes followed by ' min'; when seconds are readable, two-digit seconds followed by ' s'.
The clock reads 7 h 58 min
